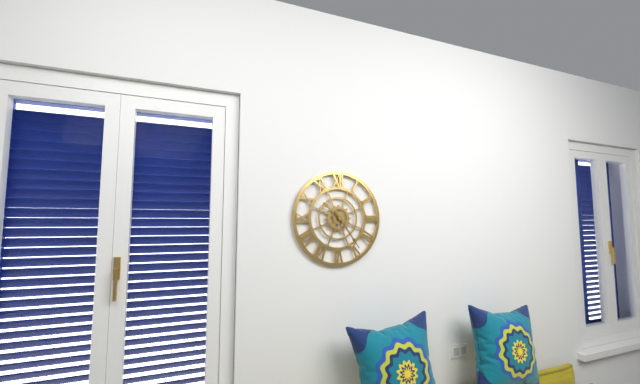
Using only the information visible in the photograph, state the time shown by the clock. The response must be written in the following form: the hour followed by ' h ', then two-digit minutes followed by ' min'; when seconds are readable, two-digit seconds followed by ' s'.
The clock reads 10 h 24 min
